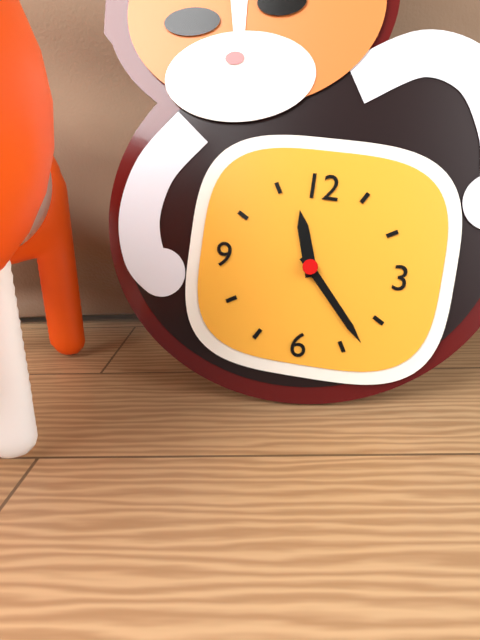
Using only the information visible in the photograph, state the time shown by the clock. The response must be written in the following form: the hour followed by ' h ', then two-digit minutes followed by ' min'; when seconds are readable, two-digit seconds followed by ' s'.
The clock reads 11 h 23 min
